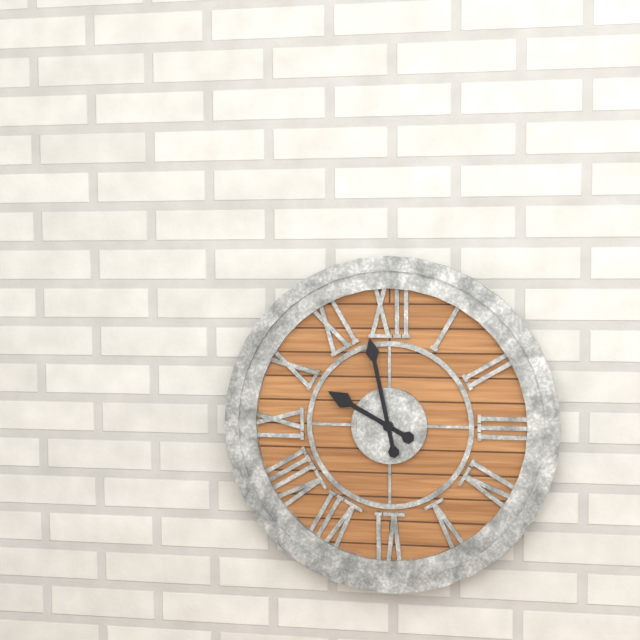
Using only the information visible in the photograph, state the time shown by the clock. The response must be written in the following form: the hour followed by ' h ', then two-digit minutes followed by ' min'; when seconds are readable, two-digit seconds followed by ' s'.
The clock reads 9 h 58 min
